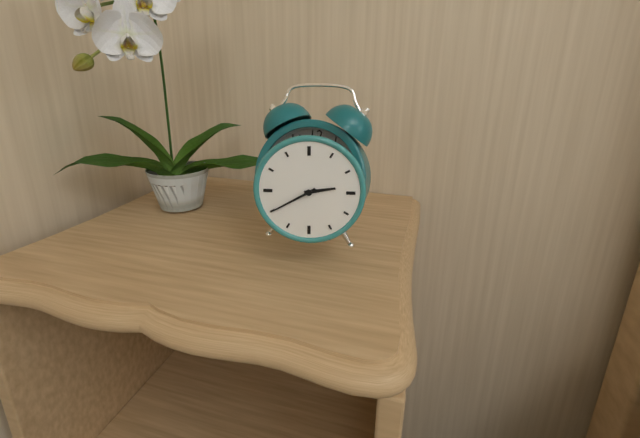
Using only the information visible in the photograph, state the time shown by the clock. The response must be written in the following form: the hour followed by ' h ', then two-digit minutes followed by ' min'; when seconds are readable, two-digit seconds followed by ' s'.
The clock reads 2 h 40 min
